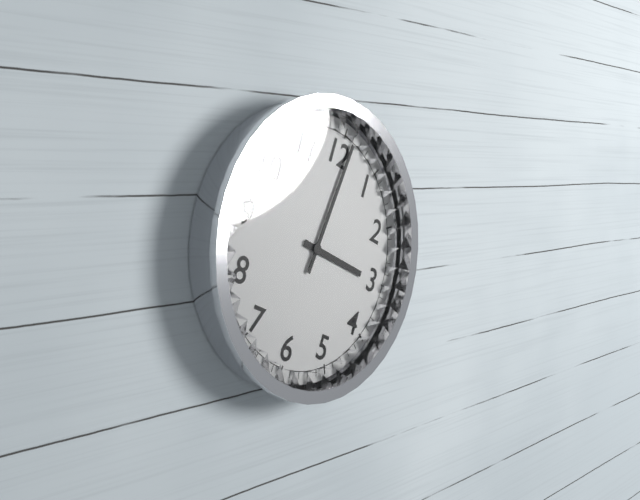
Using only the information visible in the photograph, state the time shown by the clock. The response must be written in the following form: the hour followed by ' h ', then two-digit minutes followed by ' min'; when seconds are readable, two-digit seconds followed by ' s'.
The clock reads 3 h 01 min
